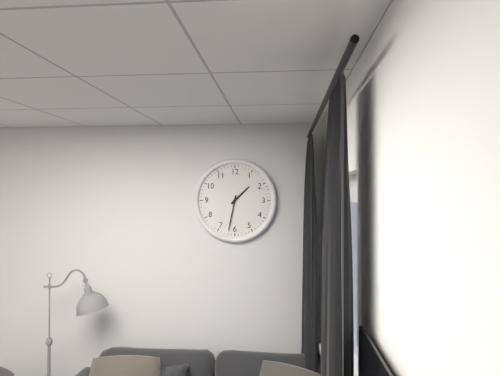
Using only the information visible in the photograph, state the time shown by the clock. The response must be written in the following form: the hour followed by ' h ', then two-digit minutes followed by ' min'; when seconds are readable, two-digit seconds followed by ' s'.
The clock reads 1 h 32 min
